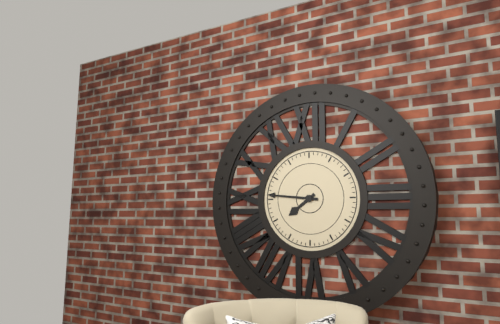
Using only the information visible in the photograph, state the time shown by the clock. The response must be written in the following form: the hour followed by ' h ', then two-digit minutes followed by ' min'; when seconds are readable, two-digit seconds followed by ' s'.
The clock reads 7 h 46 min
